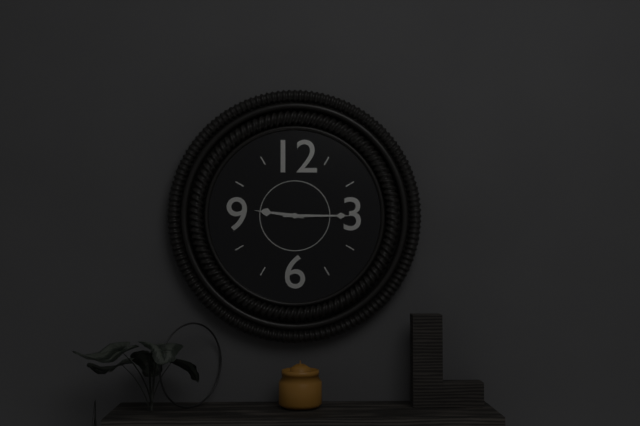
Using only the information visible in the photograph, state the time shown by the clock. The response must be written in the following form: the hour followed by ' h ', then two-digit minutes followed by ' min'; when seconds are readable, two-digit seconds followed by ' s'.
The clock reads 9 h 15 min
